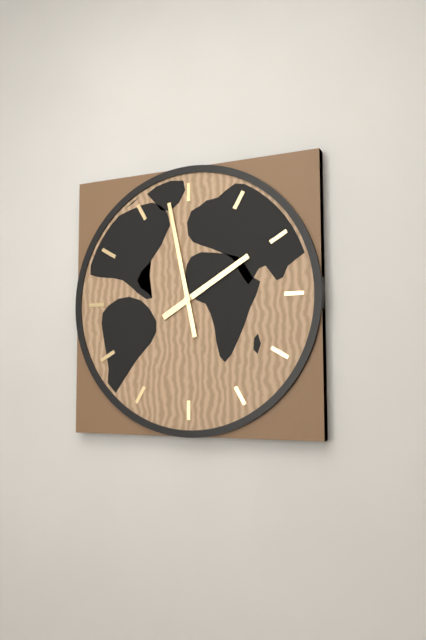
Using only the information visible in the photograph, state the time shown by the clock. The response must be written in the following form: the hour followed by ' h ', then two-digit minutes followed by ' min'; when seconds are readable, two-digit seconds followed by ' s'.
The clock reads 1 h 58 min
